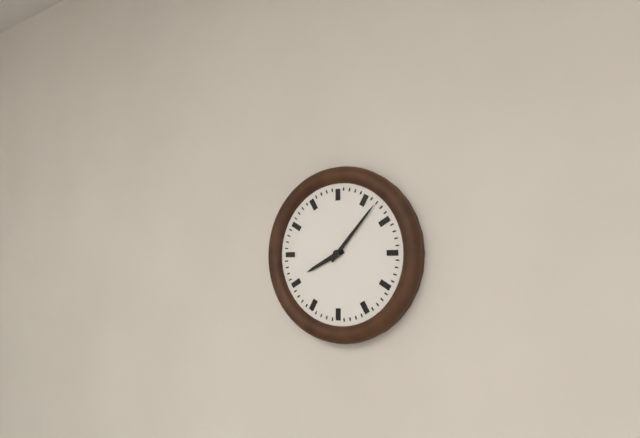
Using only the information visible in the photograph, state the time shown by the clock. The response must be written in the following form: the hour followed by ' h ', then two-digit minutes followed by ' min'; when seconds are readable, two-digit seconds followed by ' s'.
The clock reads 8 h 07 min
